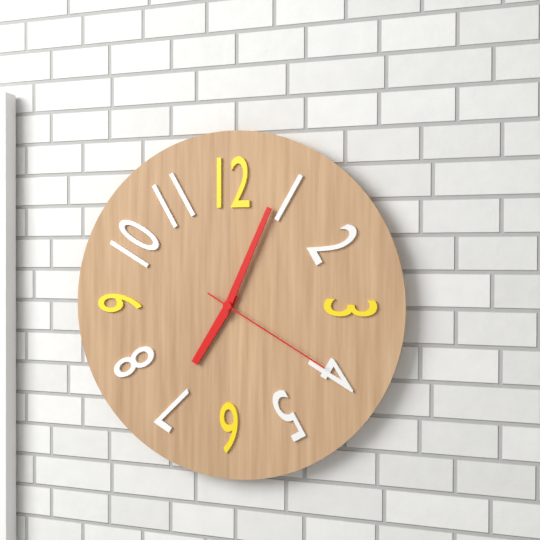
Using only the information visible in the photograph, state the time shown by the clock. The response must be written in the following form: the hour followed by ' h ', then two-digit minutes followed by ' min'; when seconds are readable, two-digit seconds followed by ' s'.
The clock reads 7 h 04 min 20 s
